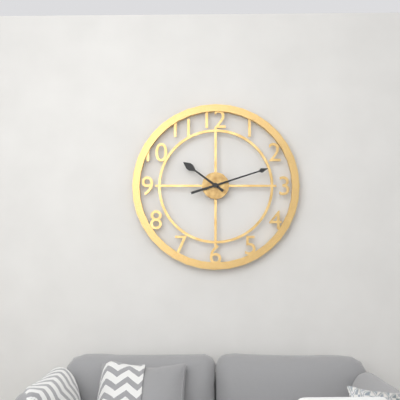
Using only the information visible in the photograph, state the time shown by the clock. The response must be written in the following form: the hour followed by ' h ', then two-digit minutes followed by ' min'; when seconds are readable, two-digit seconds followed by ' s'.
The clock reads 10 h 12 min
